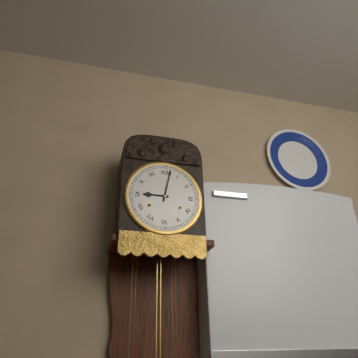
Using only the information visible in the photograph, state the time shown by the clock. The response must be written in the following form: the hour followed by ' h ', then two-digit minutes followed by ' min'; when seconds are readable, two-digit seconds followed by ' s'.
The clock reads 9 h 02 min
